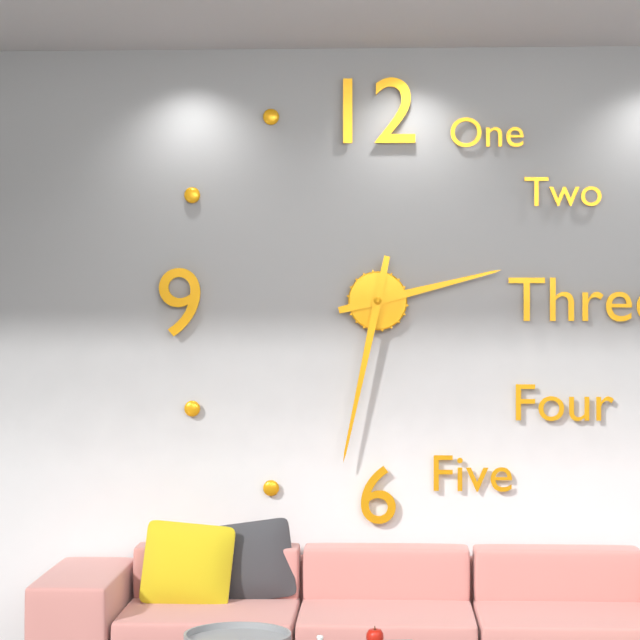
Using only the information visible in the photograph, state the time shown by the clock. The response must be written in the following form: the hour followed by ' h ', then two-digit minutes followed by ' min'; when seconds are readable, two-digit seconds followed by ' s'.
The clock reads 2 h 32 min
